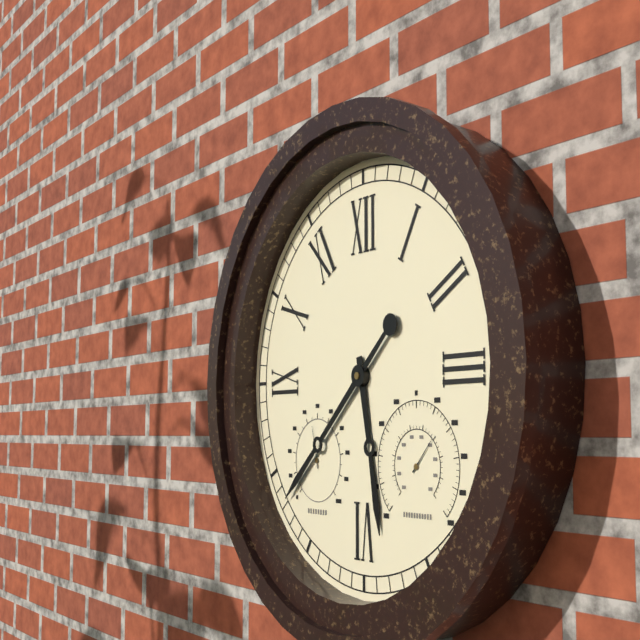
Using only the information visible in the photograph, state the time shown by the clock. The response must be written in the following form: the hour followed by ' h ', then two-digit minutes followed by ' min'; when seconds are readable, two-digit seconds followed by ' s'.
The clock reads 5 h 38 min
